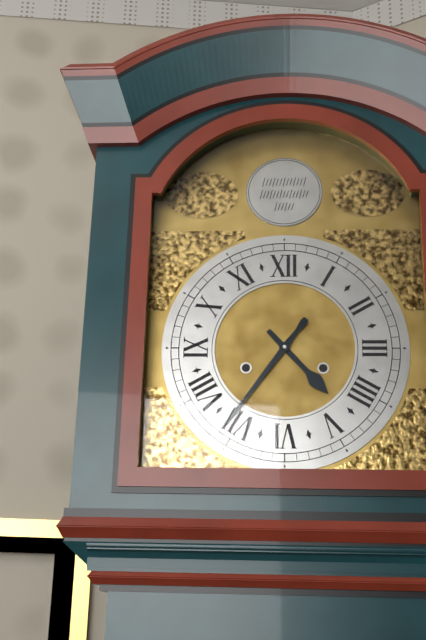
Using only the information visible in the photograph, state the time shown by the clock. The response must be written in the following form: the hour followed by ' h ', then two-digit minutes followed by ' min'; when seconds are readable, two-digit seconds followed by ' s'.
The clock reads 4 h 36 min
